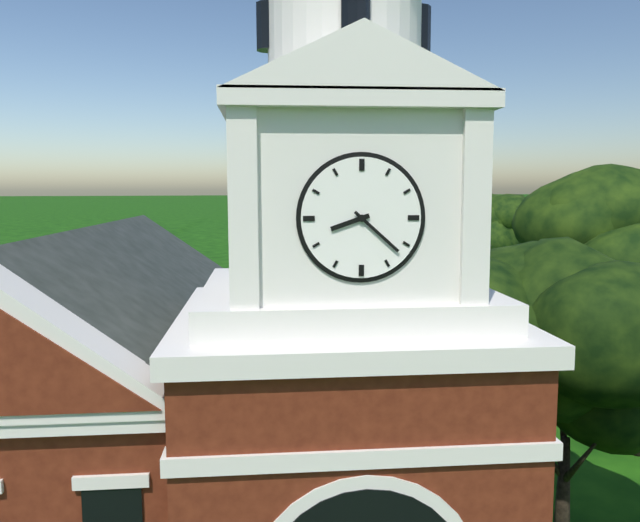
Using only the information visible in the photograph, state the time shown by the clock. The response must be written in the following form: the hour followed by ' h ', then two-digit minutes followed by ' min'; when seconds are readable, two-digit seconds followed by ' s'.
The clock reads 8 h 22 min
